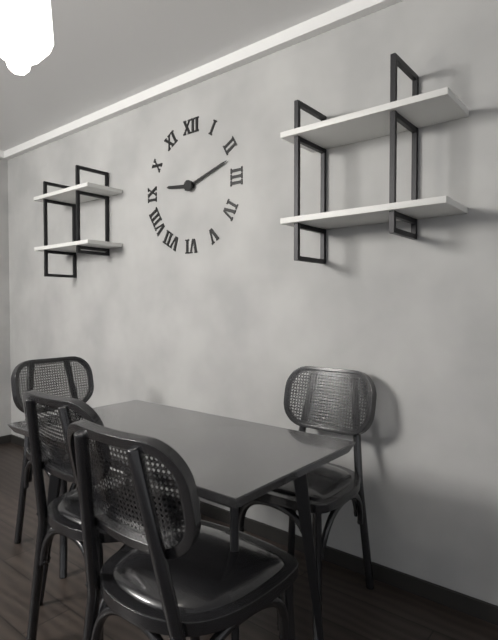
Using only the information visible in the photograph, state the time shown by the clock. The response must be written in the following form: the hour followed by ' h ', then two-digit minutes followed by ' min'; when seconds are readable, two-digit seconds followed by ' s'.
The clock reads 9 h 12 min
